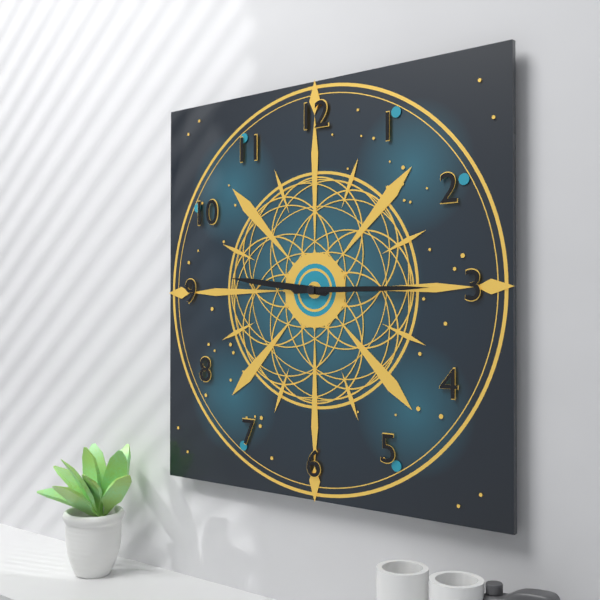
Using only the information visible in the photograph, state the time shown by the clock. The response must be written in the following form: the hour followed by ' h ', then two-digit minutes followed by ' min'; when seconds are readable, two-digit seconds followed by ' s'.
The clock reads 9 h 15 min
